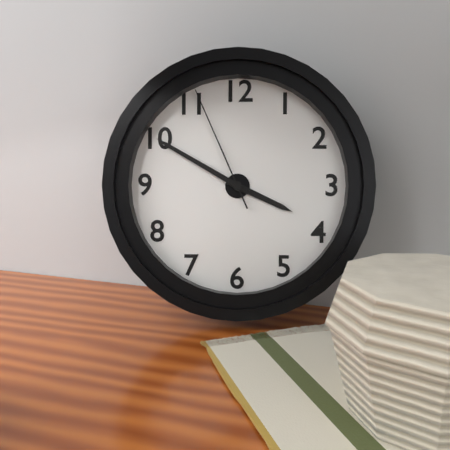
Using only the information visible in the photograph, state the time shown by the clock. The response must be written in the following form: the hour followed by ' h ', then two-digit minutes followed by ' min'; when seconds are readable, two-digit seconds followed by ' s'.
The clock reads 3 h 50 min 56 s
